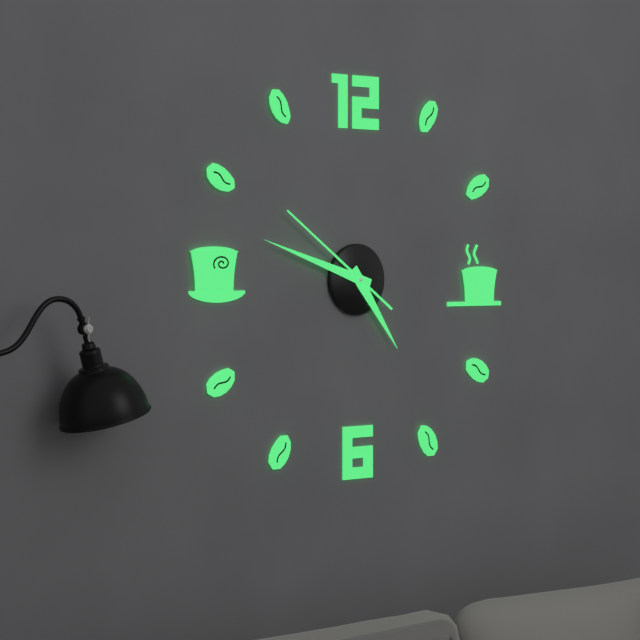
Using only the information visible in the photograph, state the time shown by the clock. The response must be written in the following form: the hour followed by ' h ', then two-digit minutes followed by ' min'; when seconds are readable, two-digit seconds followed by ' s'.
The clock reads 4 h 48 min 51 s
